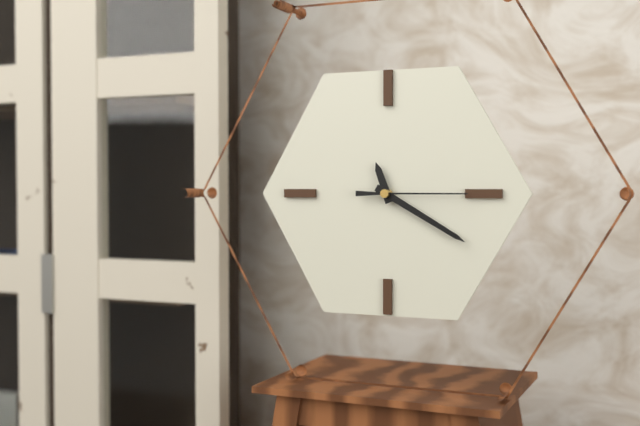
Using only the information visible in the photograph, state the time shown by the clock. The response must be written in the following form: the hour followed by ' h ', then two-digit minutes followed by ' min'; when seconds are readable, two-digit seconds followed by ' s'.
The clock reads 11 h 20 min 15 s
